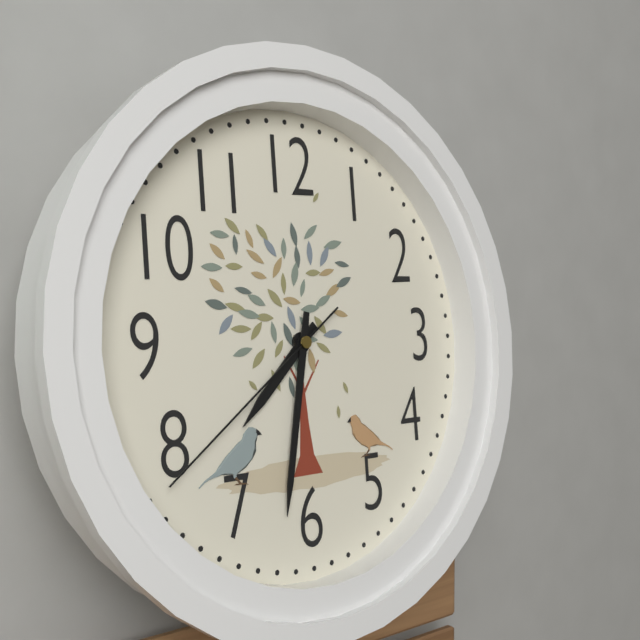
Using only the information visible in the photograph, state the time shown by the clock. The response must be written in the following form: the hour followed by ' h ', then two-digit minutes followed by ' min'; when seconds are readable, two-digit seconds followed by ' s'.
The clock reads 7 h 32 min 39 s
